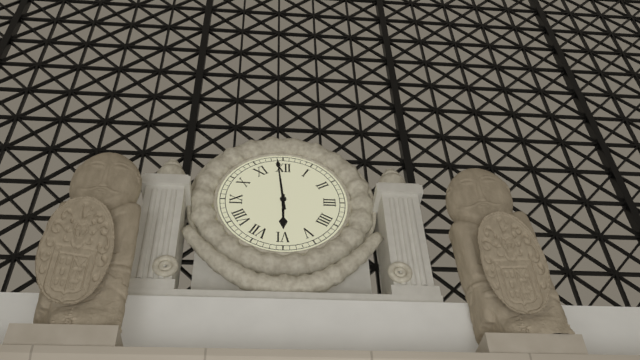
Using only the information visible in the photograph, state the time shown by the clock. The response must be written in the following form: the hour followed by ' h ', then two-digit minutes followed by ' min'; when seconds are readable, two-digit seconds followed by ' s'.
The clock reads 5 h 59 min
